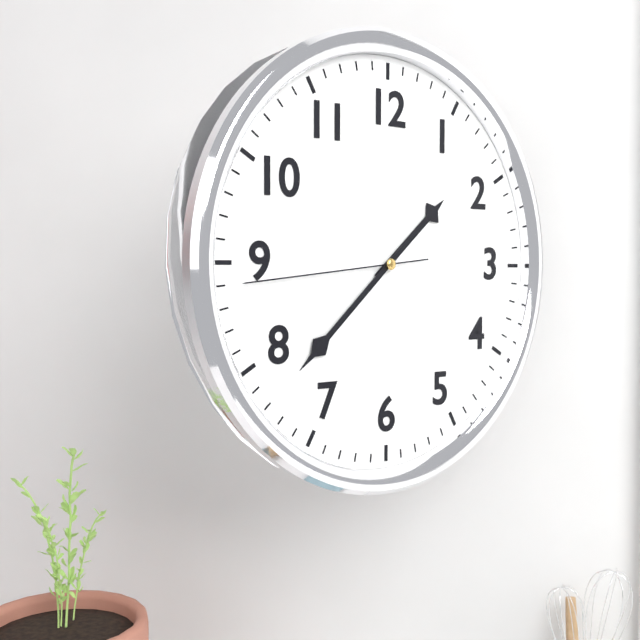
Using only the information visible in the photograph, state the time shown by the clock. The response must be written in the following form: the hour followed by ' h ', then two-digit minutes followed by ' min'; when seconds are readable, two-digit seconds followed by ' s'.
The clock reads 1 h 38 min 44 s
